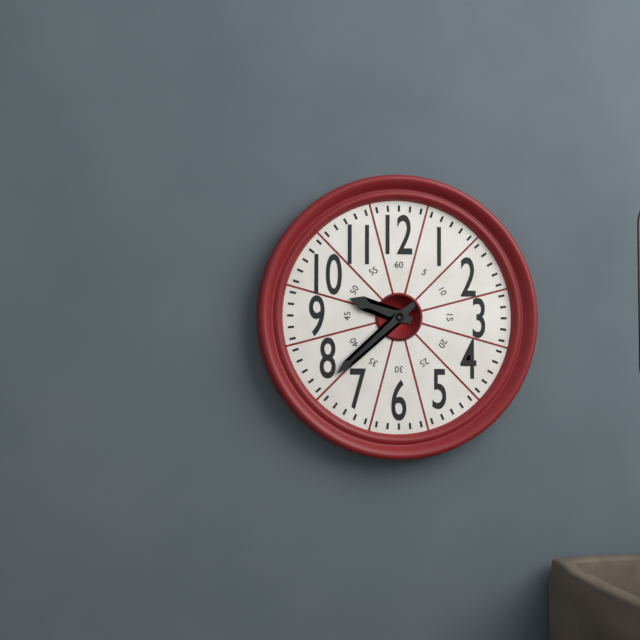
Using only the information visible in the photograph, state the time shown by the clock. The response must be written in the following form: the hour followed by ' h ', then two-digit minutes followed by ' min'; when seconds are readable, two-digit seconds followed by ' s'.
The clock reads 9 h 38 min
